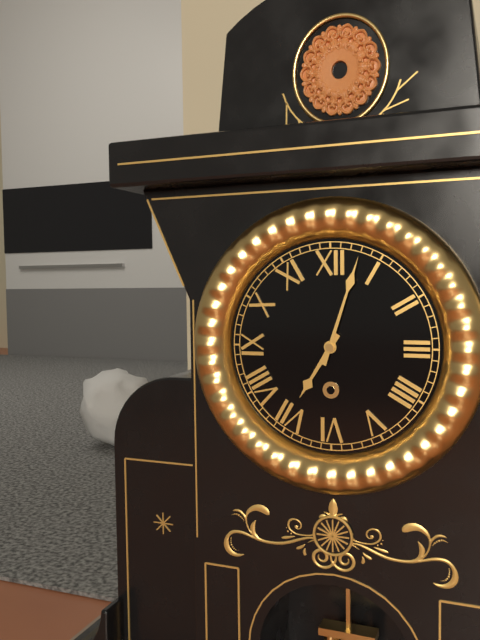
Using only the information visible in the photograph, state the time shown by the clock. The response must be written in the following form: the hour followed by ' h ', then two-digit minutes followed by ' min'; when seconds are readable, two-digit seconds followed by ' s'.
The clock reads 7 h 03 min
